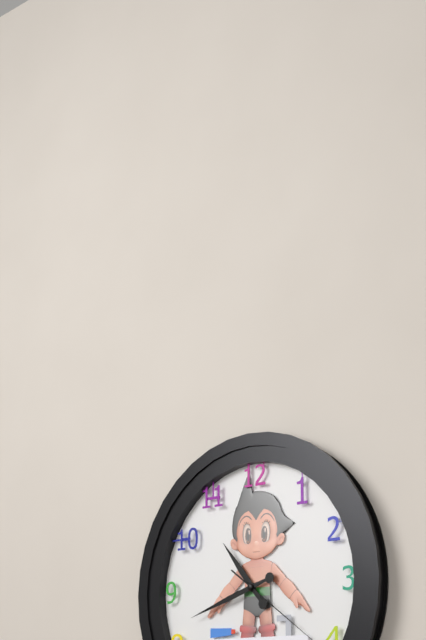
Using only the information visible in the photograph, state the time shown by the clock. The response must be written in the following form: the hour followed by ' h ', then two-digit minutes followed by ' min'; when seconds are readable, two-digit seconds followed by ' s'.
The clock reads 10 h 42 min
